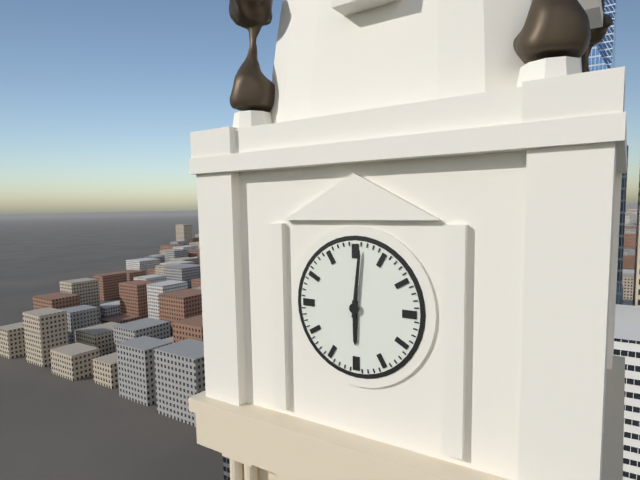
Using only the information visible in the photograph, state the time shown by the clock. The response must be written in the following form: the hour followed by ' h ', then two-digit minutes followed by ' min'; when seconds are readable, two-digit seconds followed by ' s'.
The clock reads 6 h 01 min
